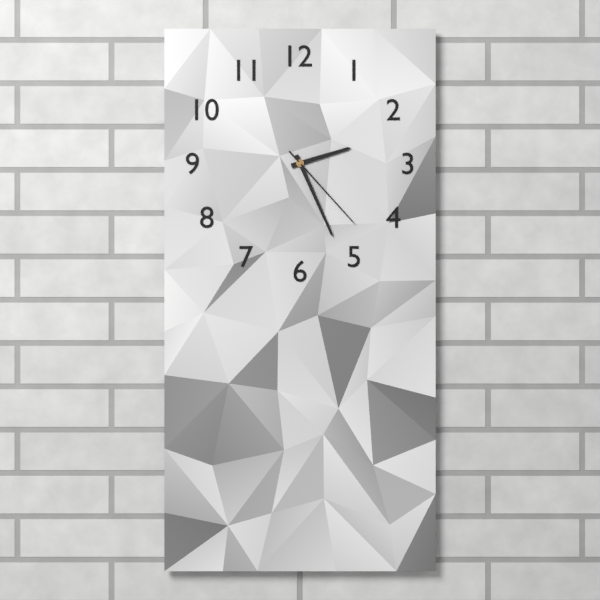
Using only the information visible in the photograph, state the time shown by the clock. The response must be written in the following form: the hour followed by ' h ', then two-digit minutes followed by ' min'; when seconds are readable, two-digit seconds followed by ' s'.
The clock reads 2 h 26 min 23 s
